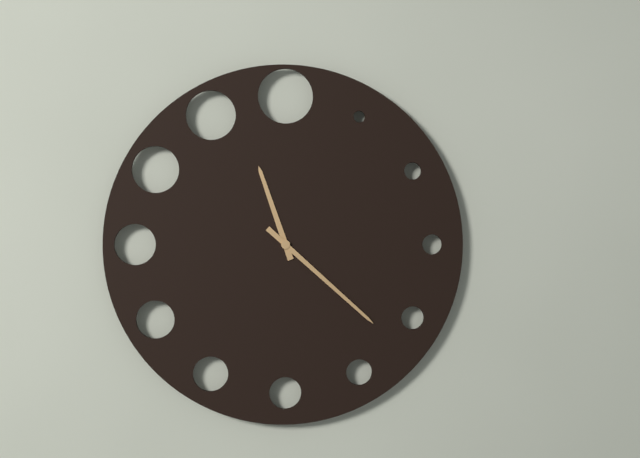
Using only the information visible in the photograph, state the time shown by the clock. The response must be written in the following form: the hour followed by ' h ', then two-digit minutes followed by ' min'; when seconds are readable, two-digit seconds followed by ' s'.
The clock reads 11 h 22 min
